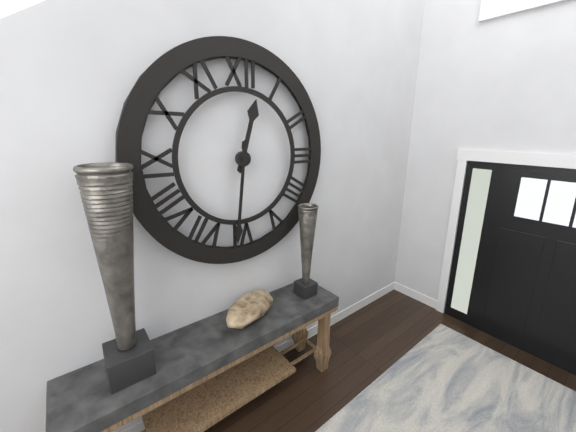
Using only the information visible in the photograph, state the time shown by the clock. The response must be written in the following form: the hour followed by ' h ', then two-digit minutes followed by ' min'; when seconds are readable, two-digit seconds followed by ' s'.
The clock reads 12 h 31 min
